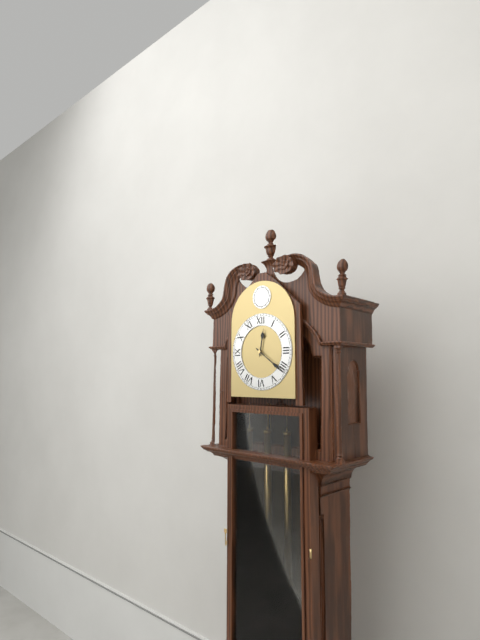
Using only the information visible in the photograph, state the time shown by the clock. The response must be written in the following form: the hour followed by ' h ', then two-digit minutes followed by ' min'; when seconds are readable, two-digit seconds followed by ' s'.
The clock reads 12 h 21 min
